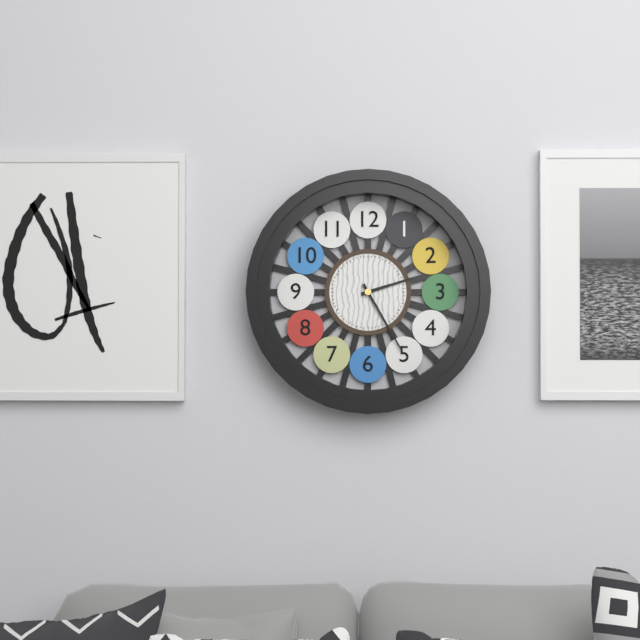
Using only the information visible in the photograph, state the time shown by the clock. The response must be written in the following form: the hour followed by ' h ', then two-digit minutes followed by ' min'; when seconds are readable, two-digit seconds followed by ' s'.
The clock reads 2 h 25 min
